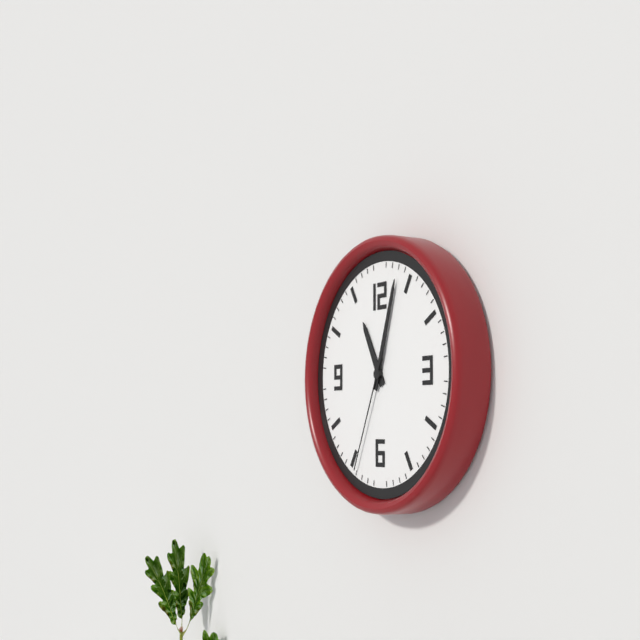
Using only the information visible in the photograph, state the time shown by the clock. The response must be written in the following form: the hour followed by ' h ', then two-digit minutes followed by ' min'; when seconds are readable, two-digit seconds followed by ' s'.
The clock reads 11 h 03 min 34 s
